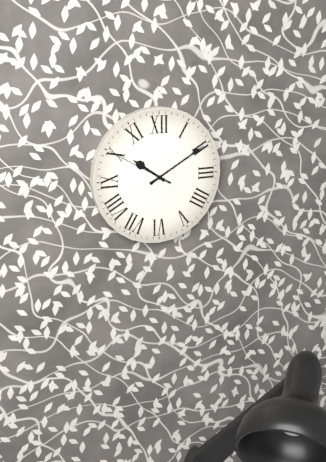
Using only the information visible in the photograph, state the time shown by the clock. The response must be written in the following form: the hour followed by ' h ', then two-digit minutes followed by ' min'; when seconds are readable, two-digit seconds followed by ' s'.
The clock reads 10 h 10 min 50 s
